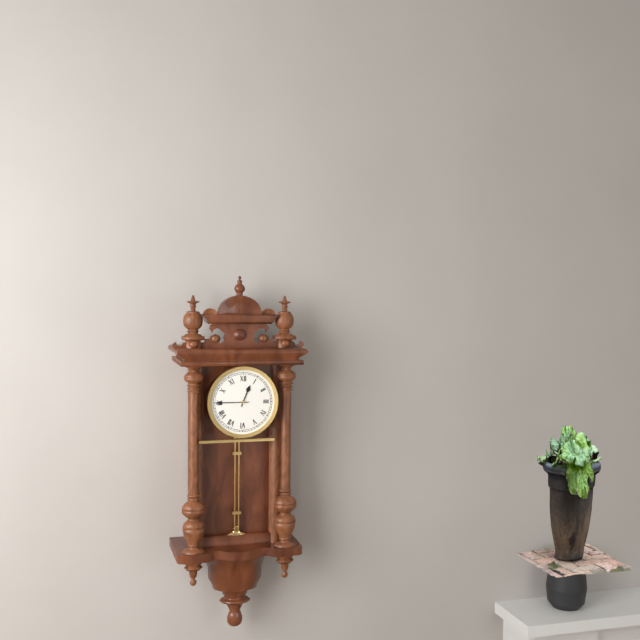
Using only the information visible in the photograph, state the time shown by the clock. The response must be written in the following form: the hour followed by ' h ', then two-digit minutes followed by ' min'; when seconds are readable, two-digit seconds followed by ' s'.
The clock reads 12 h 45 min
